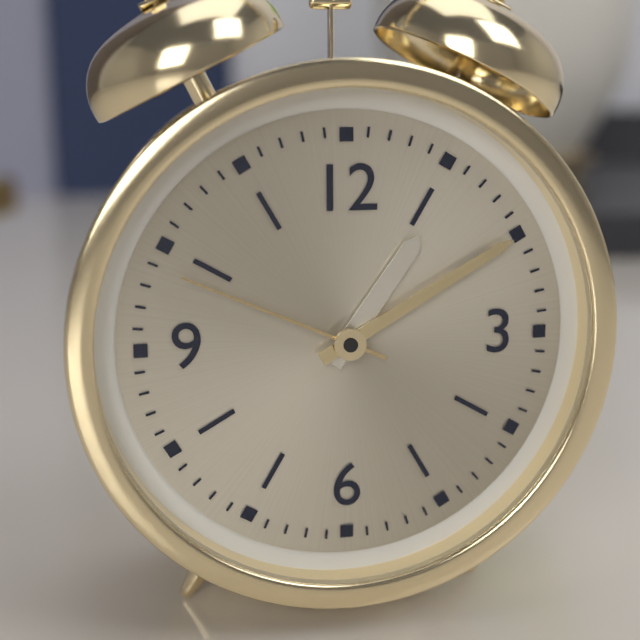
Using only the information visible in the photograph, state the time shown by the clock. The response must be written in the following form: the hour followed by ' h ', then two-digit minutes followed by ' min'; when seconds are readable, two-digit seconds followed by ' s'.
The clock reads 1 h 10 min 49 s
